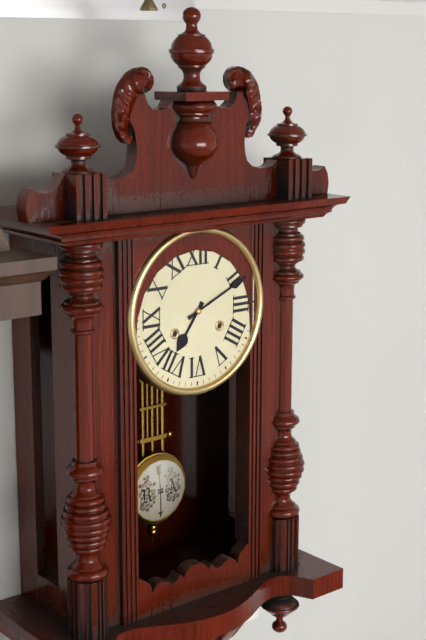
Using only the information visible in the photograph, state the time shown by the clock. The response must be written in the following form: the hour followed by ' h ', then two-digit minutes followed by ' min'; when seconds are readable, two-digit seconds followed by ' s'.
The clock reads 7 h 11 min
